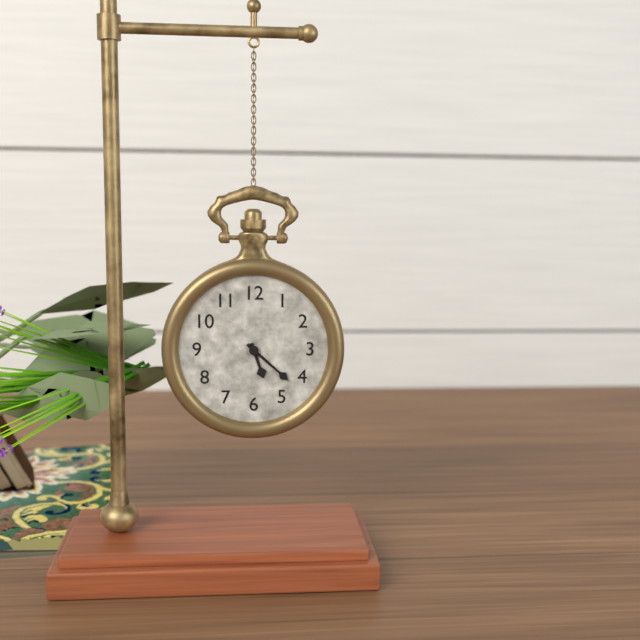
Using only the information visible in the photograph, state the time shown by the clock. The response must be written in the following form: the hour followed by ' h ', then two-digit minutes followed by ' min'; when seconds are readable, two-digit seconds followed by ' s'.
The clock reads 5 h 22 min
